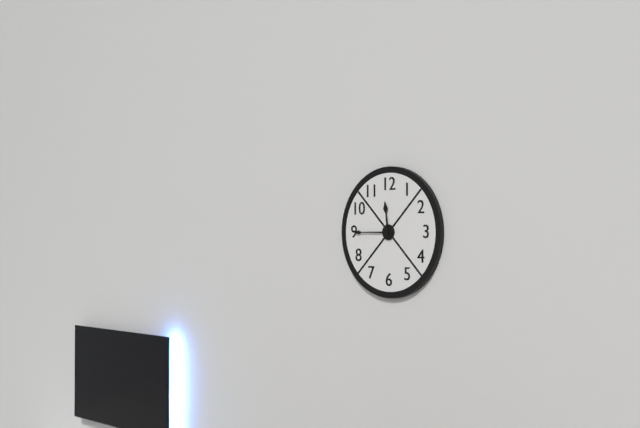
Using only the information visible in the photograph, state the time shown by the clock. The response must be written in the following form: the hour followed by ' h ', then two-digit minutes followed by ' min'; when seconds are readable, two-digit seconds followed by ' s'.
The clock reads 11 h 45 min
